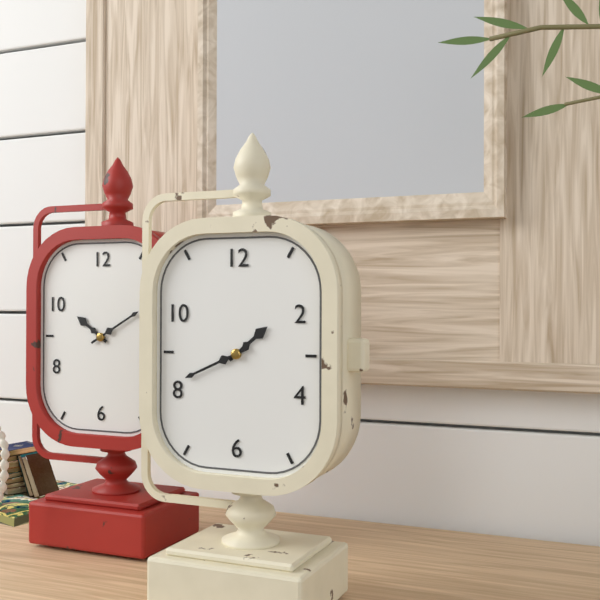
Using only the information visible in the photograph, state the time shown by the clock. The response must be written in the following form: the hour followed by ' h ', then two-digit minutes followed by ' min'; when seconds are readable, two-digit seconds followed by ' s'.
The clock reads 1 h 41 min
